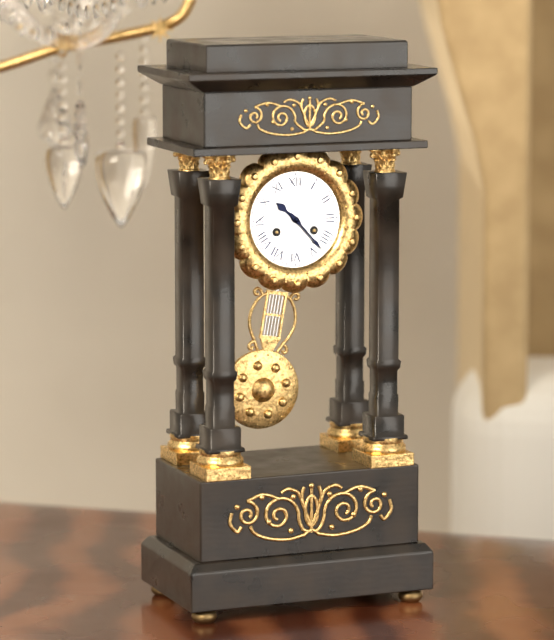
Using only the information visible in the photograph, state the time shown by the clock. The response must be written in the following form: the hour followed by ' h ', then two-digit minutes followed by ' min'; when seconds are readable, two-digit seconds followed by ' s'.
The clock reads 10 h 23 min
